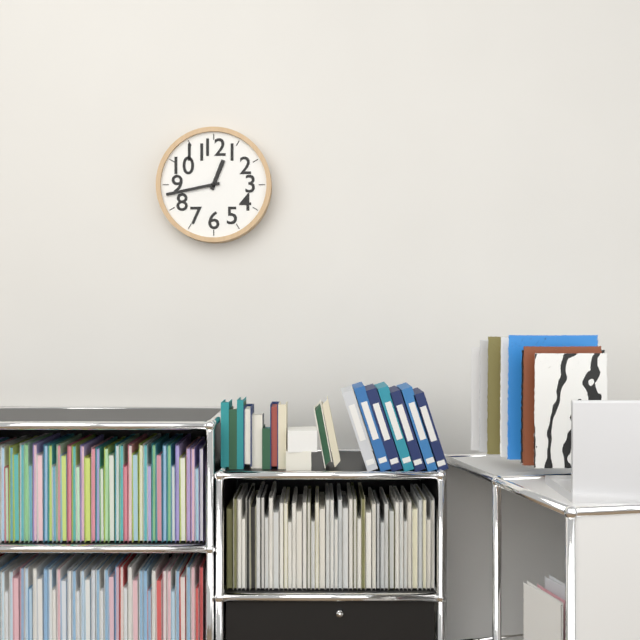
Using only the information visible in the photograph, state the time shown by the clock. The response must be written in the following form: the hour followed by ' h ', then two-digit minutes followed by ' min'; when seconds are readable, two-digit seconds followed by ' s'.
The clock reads 12 h 43 min
